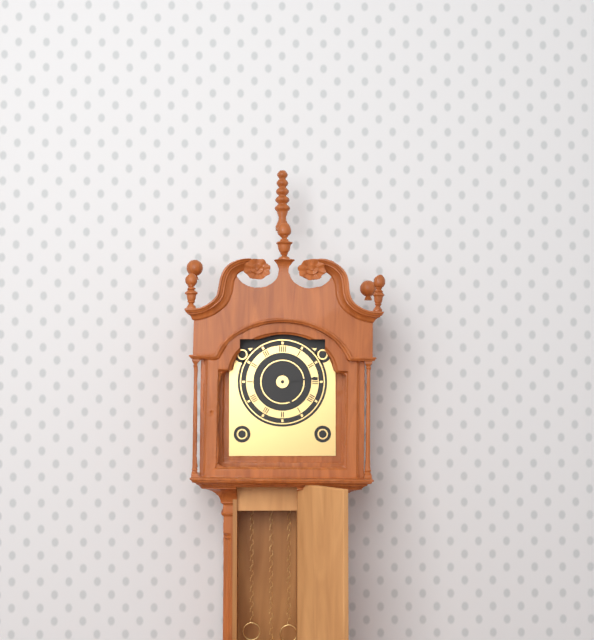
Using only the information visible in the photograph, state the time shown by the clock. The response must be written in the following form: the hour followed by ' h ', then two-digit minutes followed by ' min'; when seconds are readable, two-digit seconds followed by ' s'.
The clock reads 5 h 14 min
